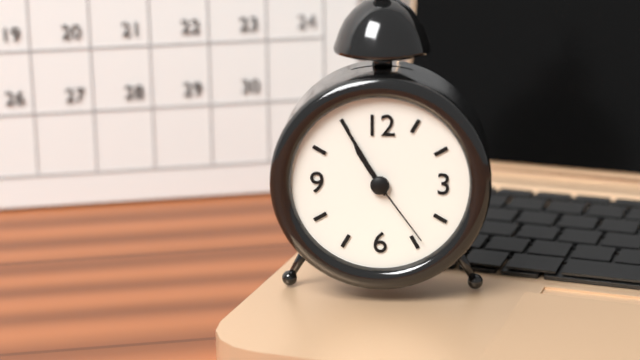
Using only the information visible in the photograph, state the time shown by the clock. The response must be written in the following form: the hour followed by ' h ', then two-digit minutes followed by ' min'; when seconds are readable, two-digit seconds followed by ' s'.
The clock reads 10 h 55 min 24 s
